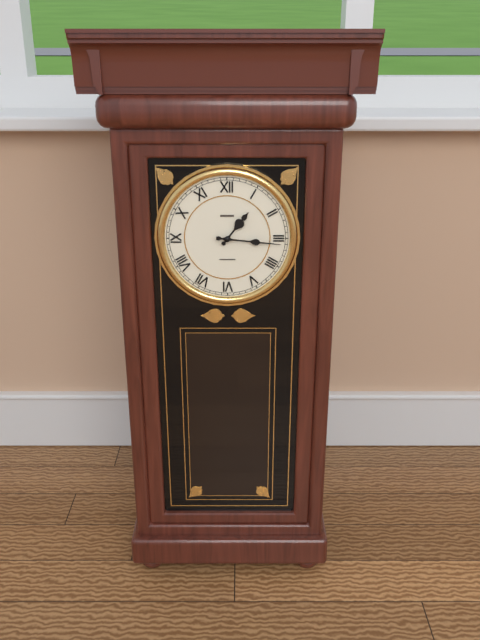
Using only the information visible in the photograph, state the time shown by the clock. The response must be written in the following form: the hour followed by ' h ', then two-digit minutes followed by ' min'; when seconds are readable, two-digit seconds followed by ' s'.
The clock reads 1 h 16 min
